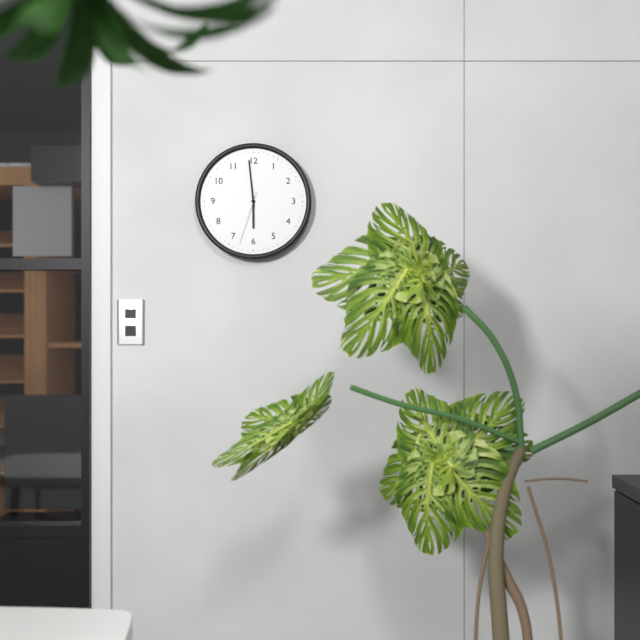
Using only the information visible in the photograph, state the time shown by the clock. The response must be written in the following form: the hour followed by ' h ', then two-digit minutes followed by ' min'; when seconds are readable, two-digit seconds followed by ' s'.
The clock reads 5 h 59 min 33 s
